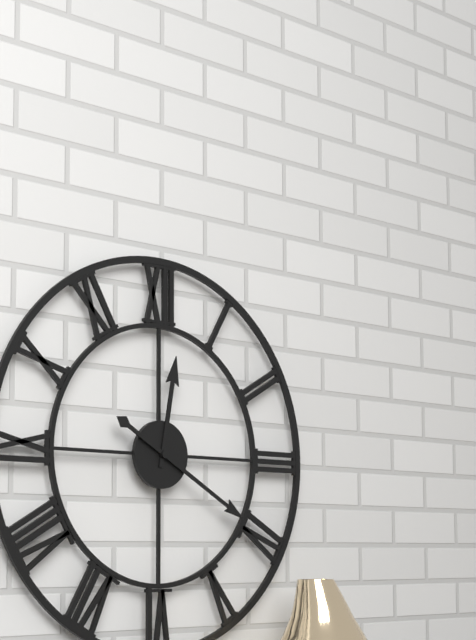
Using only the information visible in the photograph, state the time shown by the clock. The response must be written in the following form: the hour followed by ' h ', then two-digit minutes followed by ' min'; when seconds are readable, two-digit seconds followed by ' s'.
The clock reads 12 h 20 min
